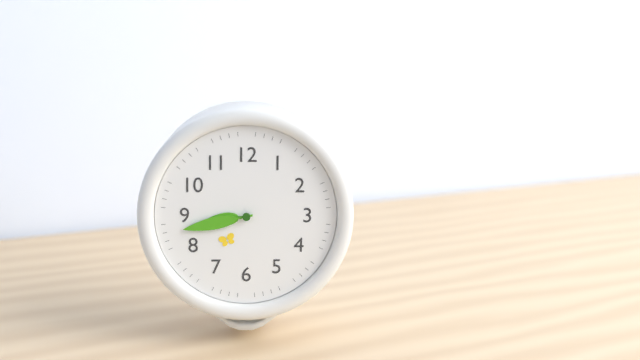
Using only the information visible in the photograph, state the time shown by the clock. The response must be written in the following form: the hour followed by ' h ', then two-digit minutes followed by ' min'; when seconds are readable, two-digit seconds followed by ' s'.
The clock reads 8 h 43 min
